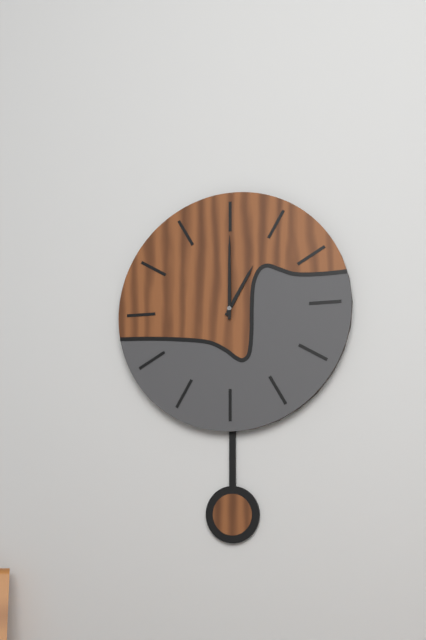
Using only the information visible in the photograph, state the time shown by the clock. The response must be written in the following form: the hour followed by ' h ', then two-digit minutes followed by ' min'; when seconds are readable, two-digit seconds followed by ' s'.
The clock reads 1 h 00 min
